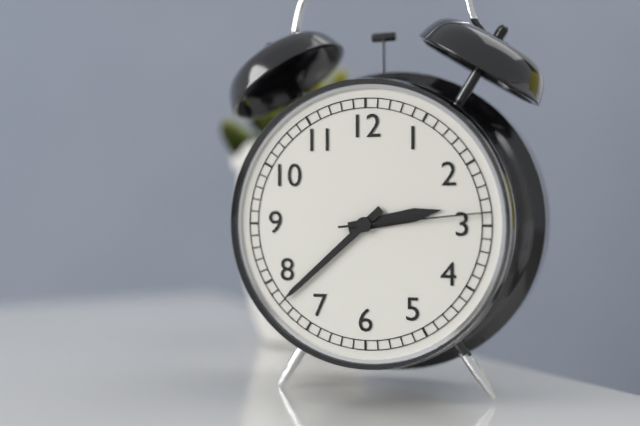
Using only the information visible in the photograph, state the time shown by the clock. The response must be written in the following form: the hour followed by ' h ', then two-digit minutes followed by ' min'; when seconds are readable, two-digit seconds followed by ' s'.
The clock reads 2 h 38 min 14 s
